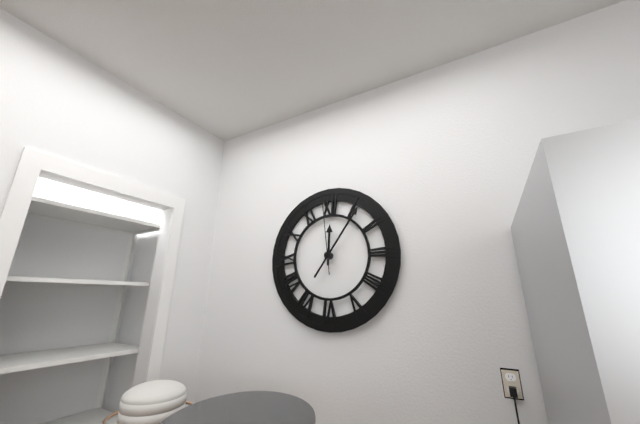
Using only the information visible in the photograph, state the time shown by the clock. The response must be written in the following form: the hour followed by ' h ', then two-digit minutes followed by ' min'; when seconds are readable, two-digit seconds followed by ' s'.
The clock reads 12 h 06 min 59 s
